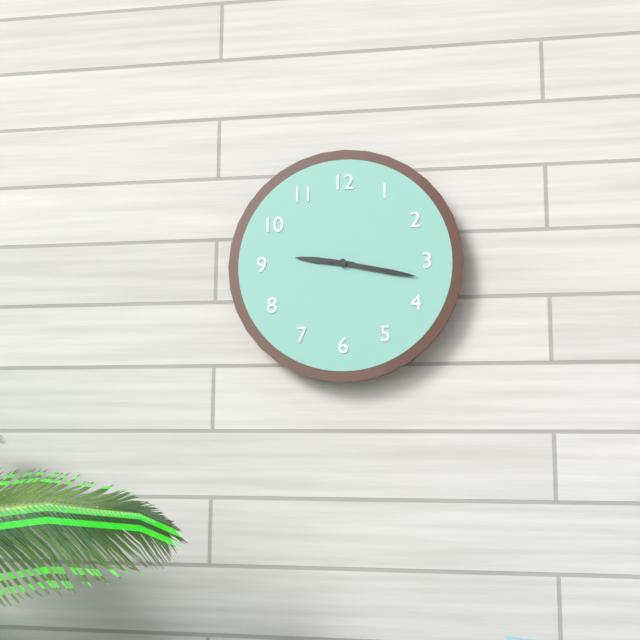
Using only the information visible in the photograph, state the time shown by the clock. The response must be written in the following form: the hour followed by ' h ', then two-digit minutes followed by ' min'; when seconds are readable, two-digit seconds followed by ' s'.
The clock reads 9 h 17 min
